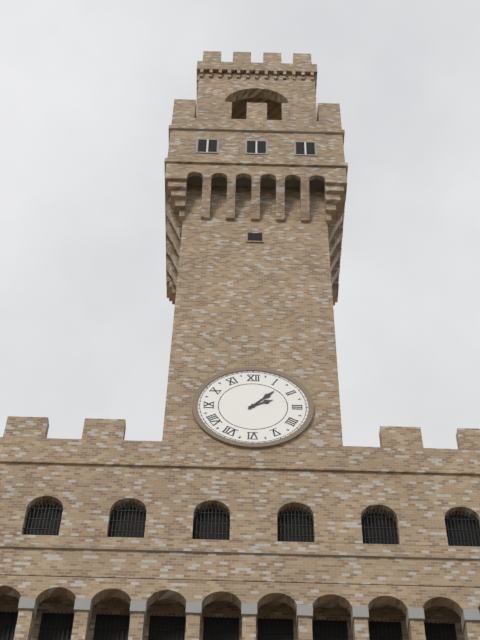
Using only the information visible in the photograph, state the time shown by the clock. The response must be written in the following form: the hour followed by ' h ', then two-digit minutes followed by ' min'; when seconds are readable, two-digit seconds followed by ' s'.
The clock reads 2 h 07 min
